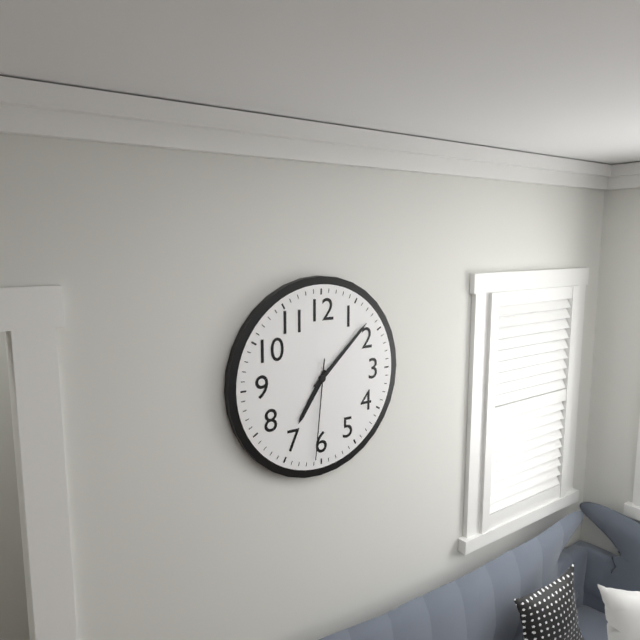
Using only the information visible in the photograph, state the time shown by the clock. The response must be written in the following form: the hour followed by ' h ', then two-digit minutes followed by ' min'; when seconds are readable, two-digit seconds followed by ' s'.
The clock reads 7 h 08 min 31 s
